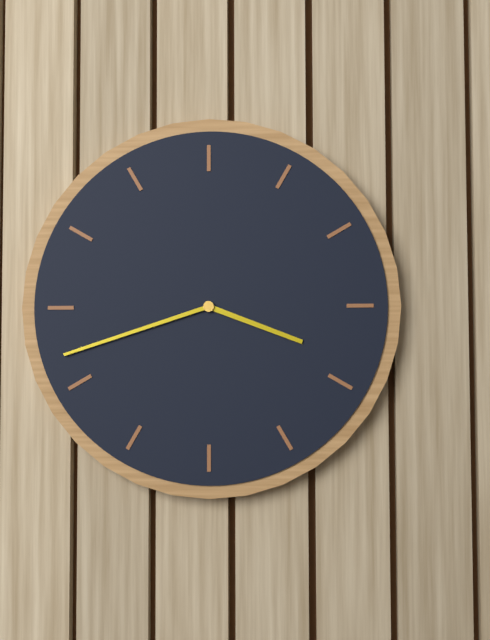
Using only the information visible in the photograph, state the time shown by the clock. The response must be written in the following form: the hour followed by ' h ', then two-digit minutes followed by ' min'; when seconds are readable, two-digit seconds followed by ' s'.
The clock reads 3 h 42 min
